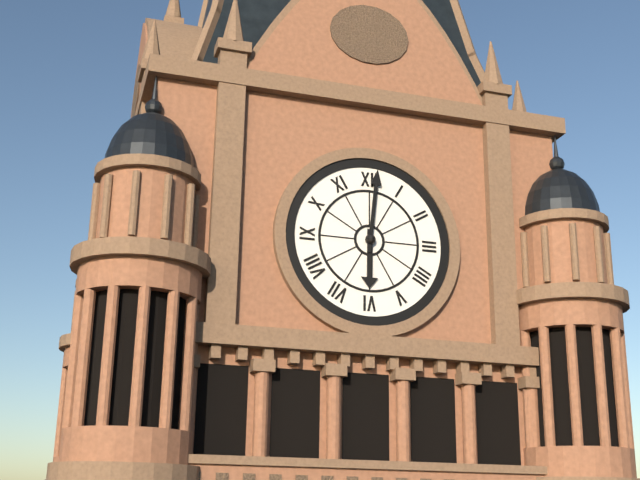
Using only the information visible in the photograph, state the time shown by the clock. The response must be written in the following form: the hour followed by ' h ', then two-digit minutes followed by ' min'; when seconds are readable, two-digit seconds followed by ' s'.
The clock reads 6 h 01 min
